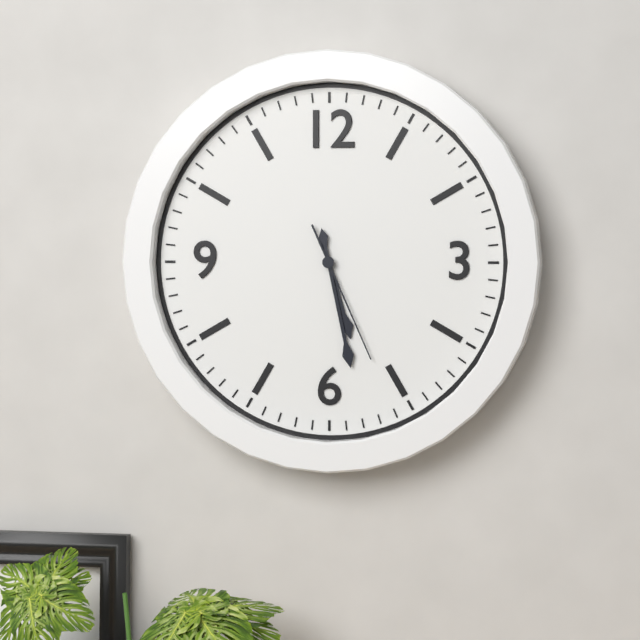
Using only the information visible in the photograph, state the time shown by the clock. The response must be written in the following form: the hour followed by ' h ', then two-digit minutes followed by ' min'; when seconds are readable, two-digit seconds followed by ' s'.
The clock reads 5 h 28 min 26 s
